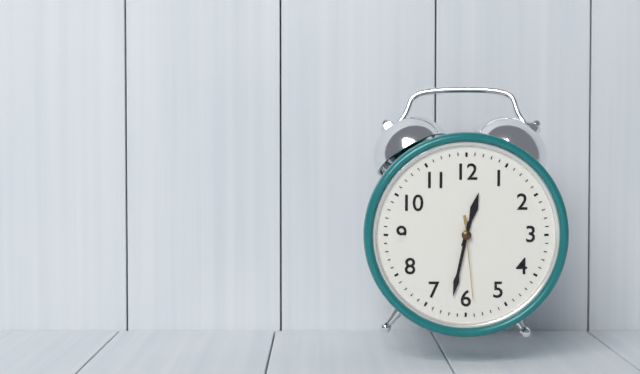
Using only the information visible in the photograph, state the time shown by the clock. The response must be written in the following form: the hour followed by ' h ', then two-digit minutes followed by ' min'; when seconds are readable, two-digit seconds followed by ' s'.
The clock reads 12 h 32 min 29 s
